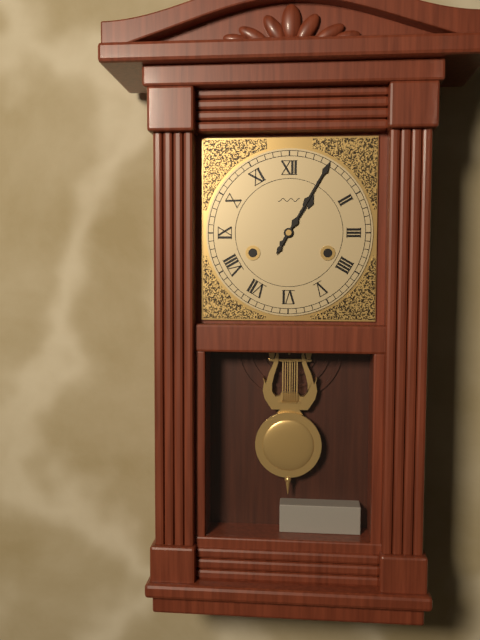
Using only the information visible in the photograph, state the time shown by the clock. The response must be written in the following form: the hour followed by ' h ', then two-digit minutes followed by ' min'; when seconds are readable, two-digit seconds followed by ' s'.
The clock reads 1 h 05 min
